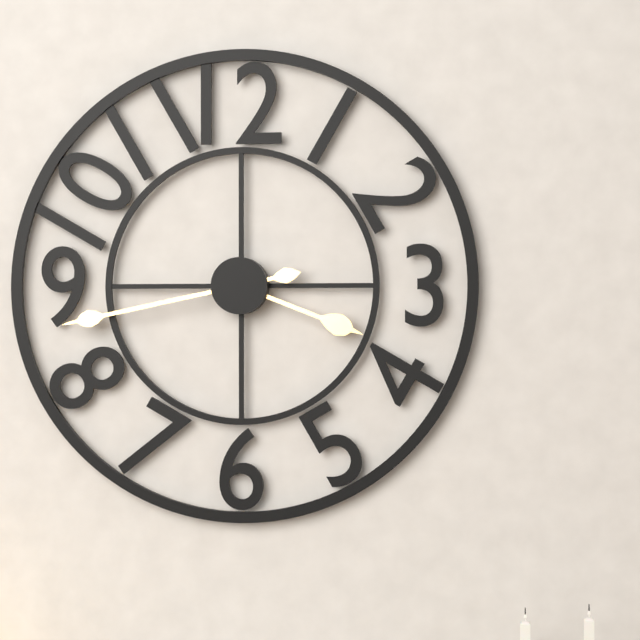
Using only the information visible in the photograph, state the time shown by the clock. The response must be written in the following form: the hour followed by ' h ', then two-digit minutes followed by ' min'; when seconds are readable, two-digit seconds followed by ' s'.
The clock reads 3 h 43 min
